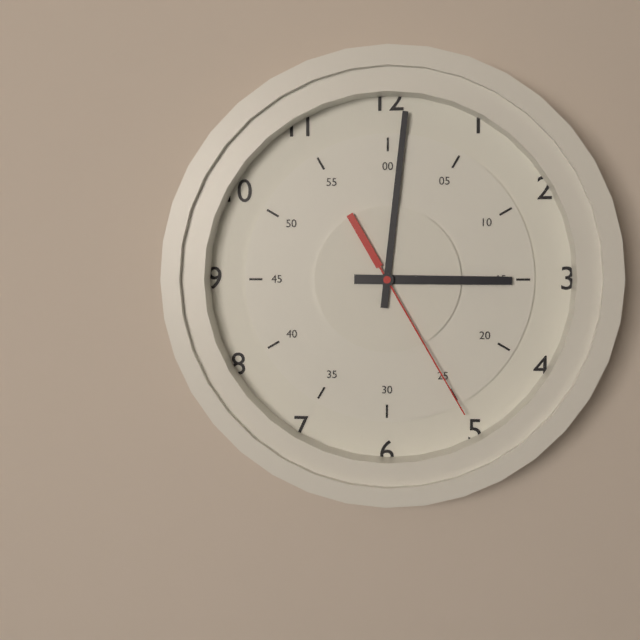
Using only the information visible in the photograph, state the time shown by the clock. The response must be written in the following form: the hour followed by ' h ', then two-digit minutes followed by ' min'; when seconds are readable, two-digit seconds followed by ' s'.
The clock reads 3 h 01 min 25 s
